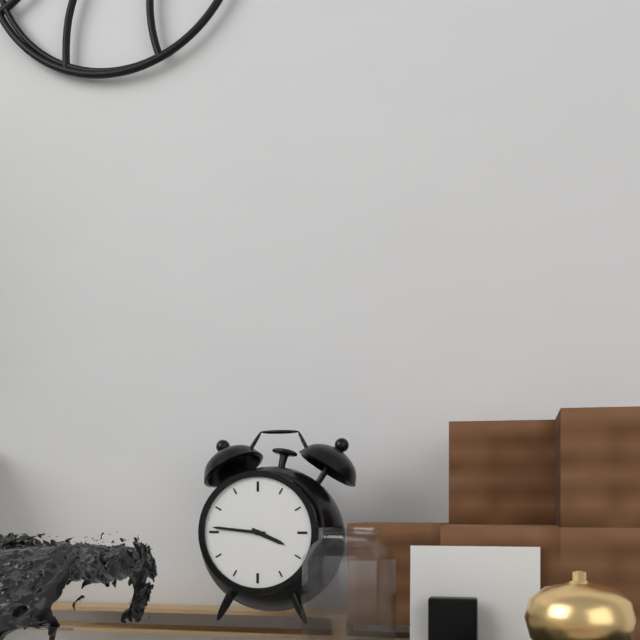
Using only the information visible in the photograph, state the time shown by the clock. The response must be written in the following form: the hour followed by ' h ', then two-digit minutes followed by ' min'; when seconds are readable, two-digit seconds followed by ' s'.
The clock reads 3 h 46 min
